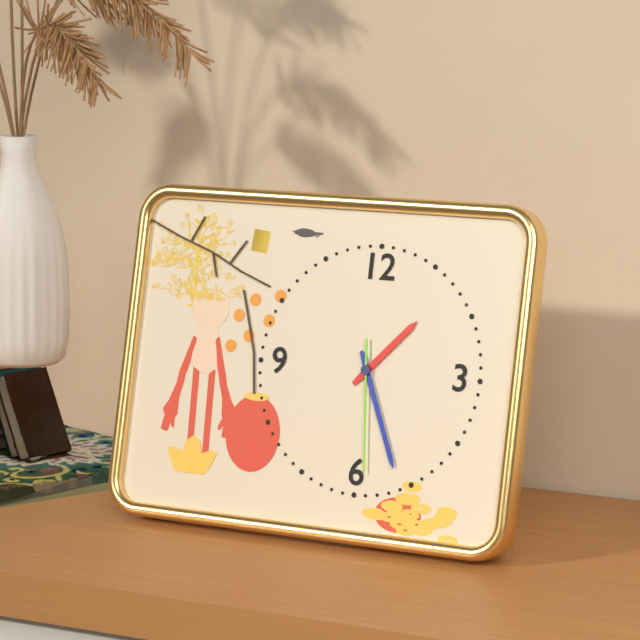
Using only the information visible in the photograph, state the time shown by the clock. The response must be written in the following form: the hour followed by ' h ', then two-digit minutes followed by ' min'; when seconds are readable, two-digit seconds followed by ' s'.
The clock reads 1 h 26 min 29 s
